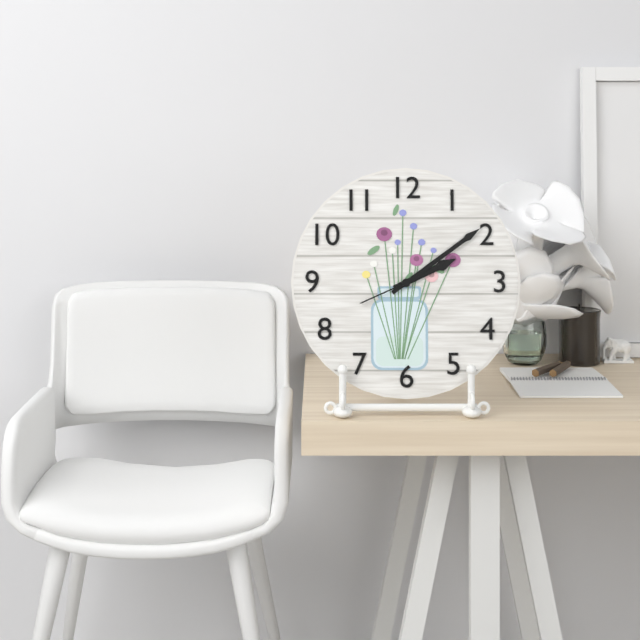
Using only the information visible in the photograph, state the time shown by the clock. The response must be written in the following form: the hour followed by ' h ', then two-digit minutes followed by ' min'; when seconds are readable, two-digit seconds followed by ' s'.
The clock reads 2 h 09 min 41 s
